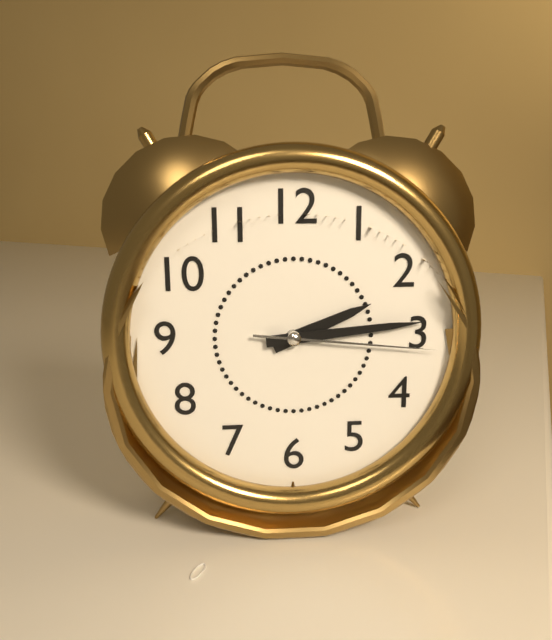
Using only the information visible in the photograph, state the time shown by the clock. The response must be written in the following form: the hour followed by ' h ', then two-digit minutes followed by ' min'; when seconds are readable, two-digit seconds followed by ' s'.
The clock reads 2 h 14 min 16 s
